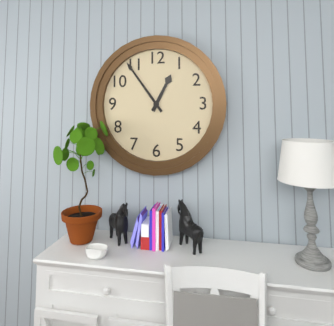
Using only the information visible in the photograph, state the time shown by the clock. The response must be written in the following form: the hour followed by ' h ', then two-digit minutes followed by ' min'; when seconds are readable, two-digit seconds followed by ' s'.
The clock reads 12 h 54 min
